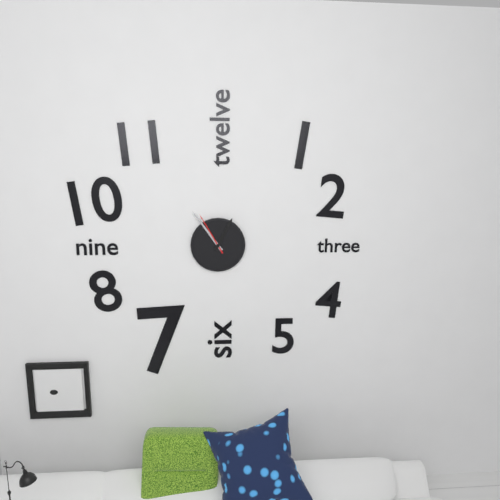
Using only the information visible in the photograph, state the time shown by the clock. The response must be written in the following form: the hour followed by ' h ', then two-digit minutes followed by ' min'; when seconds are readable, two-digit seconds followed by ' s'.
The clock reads 12 h 54 min
